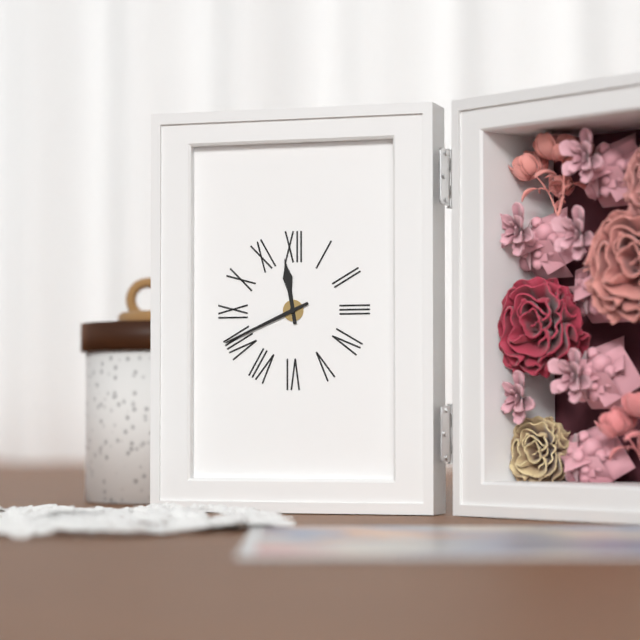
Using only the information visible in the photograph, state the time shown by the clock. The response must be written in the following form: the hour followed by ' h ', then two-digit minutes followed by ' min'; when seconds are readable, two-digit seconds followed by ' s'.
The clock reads 11 h 41 min
